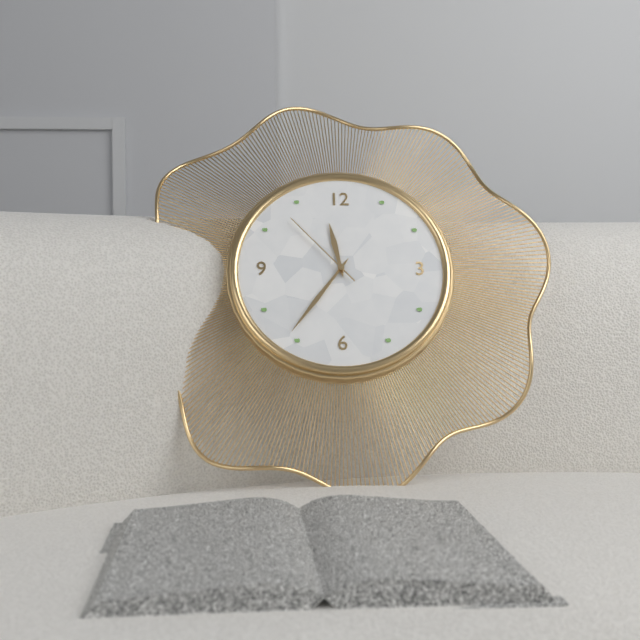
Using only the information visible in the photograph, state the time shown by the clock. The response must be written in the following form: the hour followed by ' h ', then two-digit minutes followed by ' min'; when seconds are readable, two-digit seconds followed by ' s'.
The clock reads 11 h 36 min 53 s
